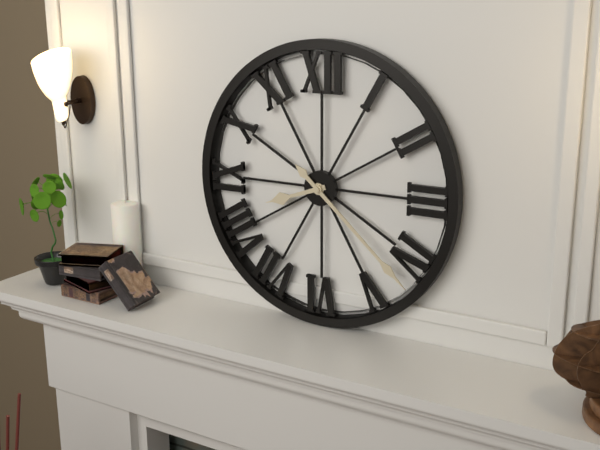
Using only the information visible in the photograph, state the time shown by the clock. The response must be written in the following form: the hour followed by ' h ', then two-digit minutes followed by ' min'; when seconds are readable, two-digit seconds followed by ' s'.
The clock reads 8 h 22 min
